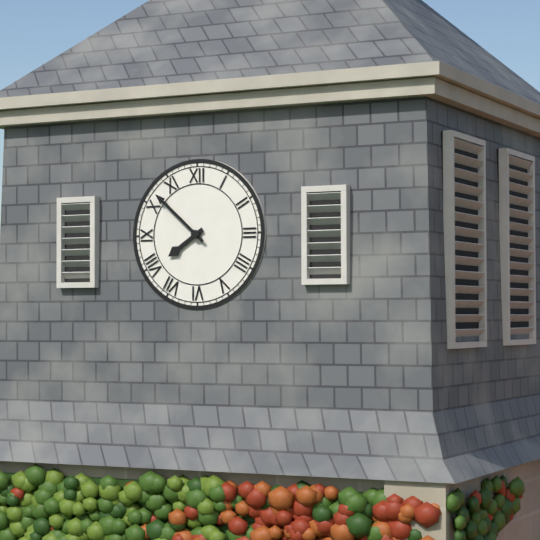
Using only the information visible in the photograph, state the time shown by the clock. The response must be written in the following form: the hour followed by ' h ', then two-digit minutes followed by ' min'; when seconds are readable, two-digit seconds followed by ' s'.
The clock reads 7 h 52 min
